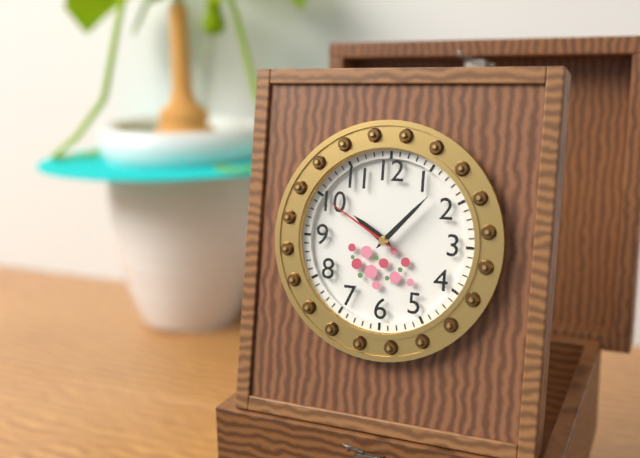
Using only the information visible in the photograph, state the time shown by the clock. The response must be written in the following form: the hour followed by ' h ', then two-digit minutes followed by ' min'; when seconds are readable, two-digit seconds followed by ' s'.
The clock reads 10 h 07 min 50 s
